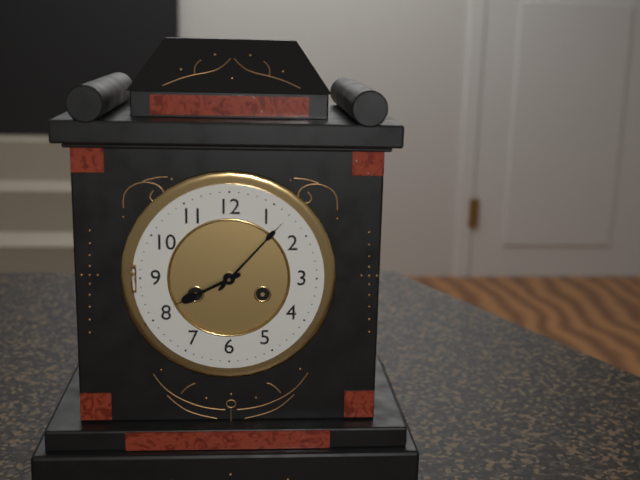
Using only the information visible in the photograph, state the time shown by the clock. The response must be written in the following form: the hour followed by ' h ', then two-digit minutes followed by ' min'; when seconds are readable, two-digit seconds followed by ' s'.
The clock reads 8 h 07 min
